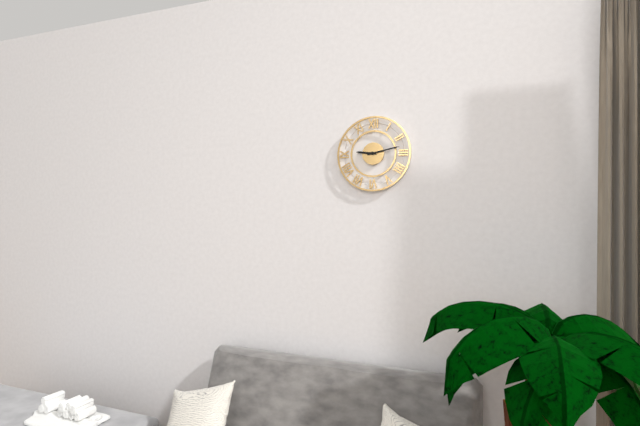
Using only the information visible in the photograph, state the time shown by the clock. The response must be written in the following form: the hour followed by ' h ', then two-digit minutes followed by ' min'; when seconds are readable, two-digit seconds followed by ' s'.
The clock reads 9 h 13 min
